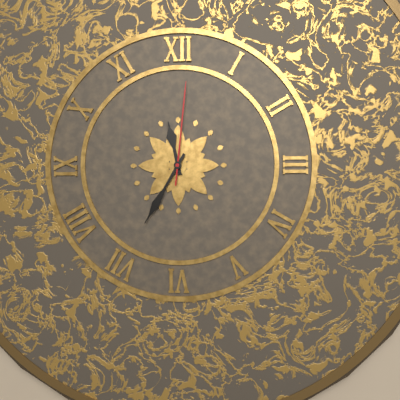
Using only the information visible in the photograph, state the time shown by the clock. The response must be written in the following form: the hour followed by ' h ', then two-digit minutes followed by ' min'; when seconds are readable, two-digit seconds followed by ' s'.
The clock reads 11 h 35 min 01 s
